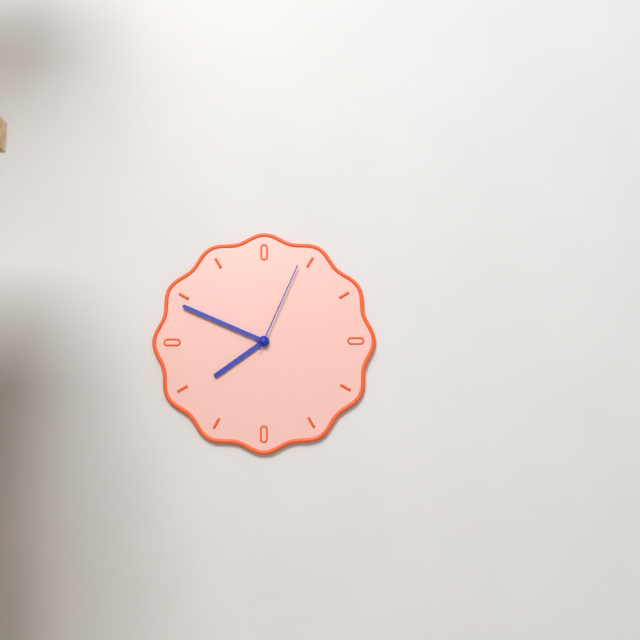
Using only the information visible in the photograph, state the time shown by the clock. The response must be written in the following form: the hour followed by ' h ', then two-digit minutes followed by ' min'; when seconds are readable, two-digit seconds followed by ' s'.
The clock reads 7 h 49 min 04 s
